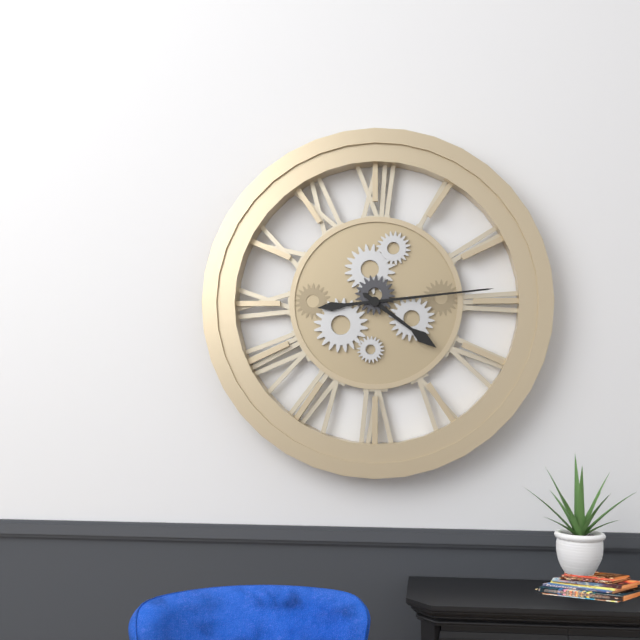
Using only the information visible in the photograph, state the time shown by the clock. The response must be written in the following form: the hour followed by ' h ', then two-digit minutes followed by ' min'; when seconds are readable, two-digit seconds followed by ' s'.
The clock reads 4 h 14 min
